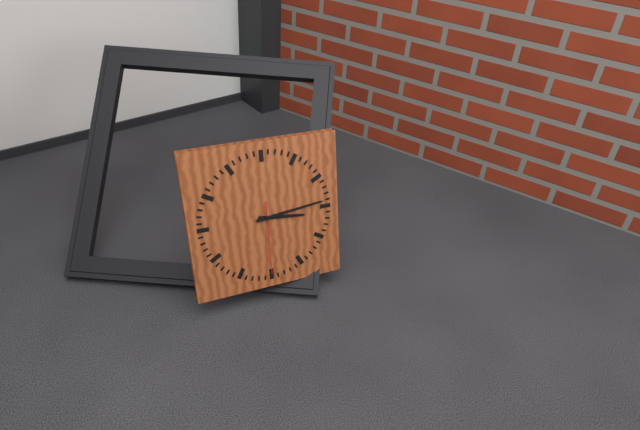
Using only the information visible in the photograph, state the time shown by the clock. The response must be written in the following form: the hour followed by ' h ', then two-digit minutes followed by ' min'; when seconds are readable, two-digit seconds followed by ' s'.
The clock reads 3 h 14 min 30 s
